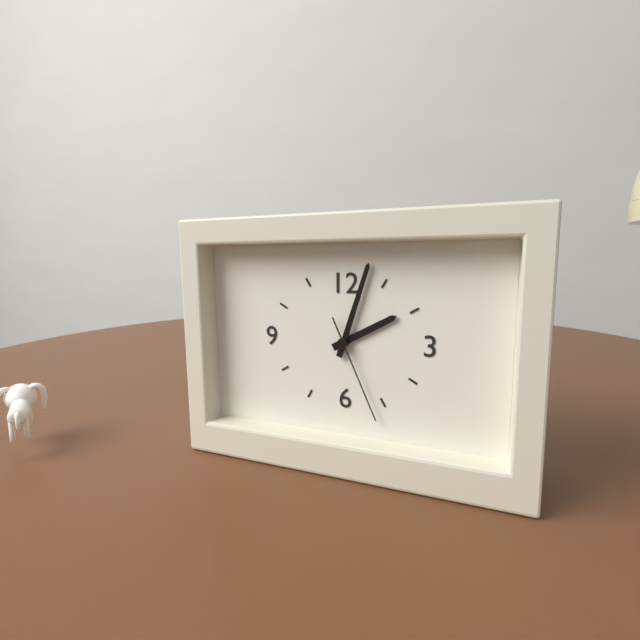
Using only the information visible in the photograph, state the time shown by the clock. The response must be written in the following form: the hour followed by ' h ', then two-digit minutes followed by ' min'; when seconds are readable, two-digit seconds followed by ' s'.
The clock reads 2 h 03 min 26 s
